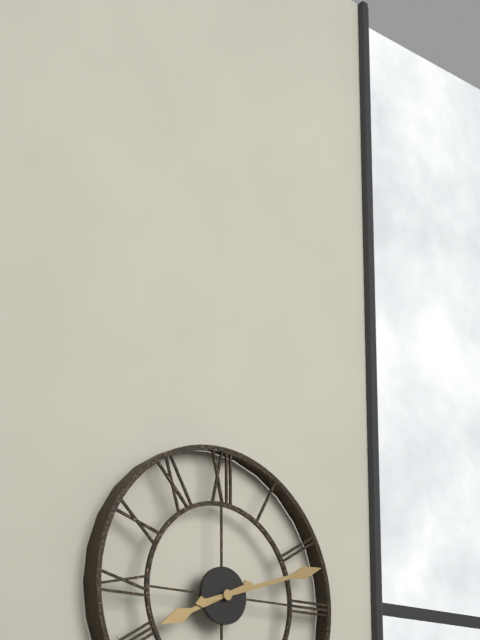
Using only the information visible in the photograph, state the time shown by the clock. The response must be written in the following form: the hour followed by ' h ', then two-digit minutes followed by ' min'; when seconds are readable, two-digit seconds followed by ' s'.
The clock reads 8 h 12 min
